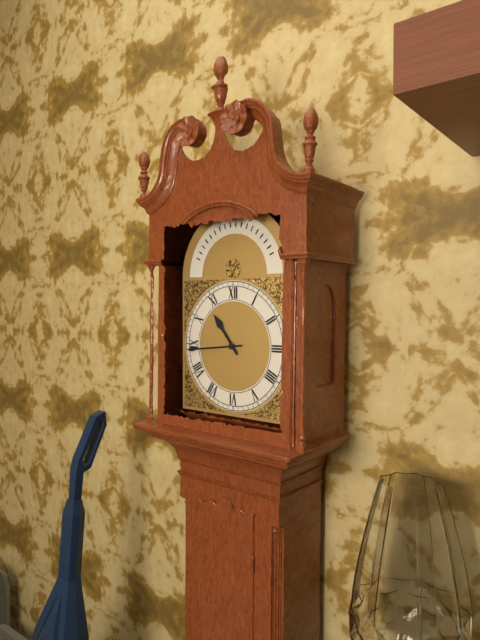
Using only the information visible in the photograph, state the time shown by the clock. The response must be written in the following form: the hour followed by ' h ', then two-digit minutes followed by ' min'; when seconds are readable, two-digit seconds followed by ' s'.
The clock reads 10 h 44 min
